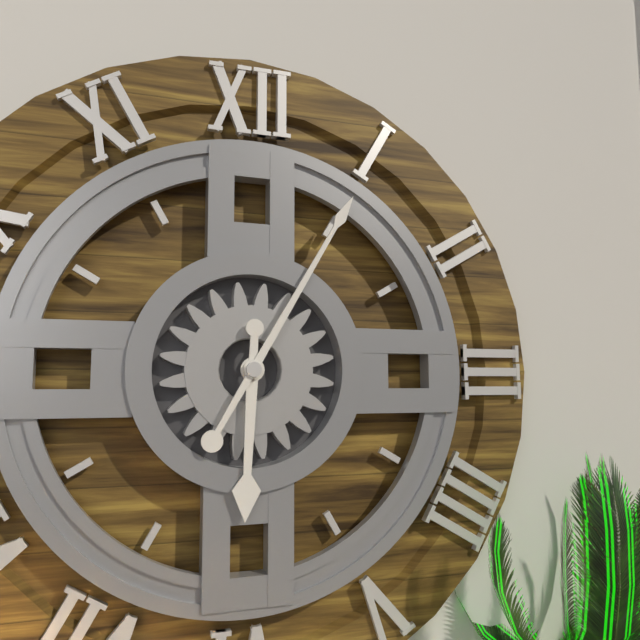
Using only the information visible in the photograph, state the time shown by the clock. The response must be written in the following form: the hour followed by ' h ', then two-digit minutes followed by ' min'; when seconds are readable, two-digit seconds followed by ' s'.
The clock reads 6 h 05 min
